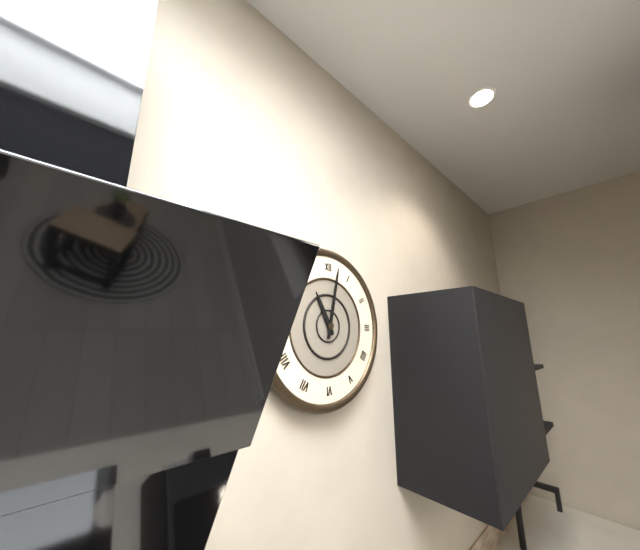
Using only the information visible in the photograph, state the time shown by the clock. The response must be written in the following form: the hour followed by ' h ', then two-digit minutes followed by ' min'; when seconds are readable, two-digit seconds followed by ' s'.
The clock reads 11 h 02 min
